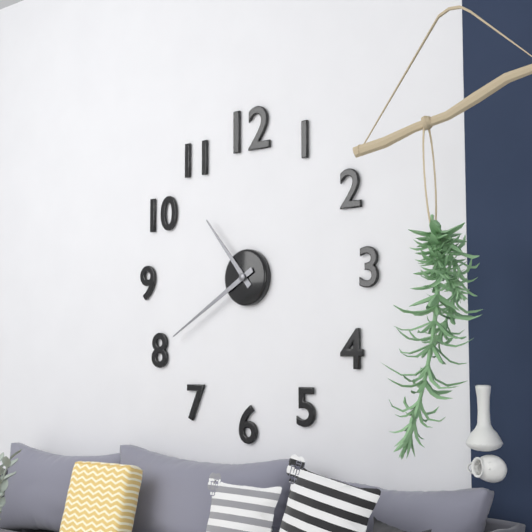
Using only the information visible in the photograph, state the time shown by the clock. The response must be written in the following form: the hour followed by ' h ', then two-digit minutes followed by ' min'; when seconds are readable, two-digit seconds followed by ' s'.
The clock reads 10 h 40 min
